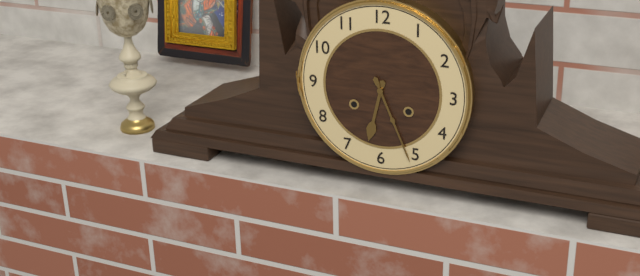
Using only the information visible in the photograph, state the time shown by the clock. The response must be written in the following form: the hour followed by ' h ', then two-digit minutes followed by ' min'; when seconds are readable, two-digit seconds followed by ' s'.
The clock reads 6 h 26 min
